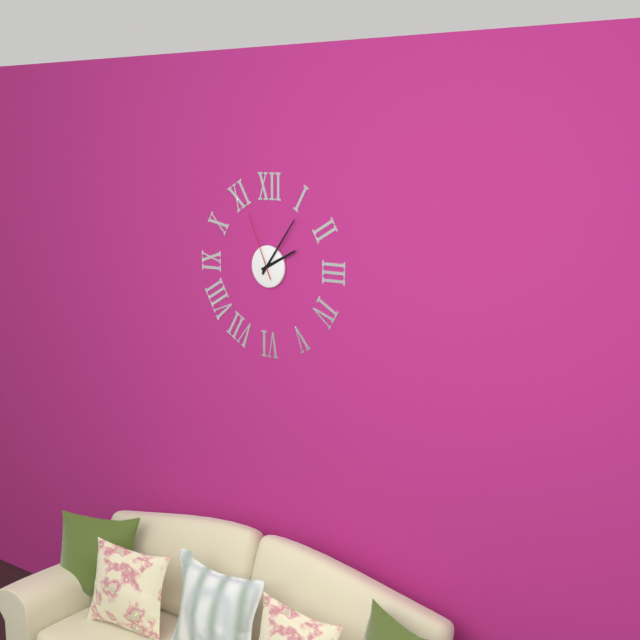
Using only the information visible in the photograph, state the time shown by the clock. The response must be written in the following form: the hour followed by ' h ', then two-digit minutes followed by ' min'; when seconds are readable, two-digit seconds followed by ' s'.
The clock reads 2 h 06 min 56 s
